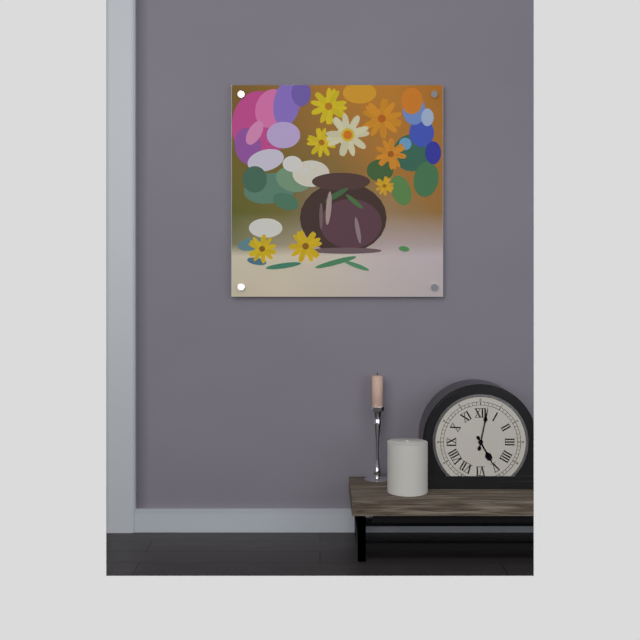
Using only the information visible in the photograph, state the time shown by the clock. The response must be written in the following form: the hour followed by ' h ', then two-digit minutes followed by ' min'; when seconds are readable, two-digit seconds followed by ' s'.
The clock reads 5 h 02 min
